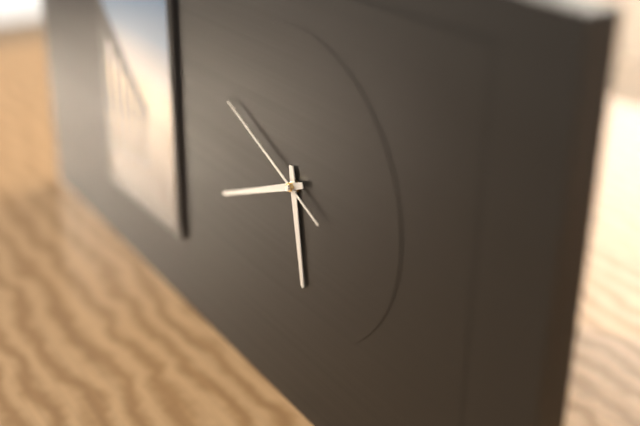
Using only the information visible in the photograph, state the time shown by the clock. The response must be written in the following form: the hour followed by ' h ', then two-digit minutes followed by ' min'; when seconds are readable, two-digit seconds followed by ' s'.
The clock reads 5 h 41 min 49 s
